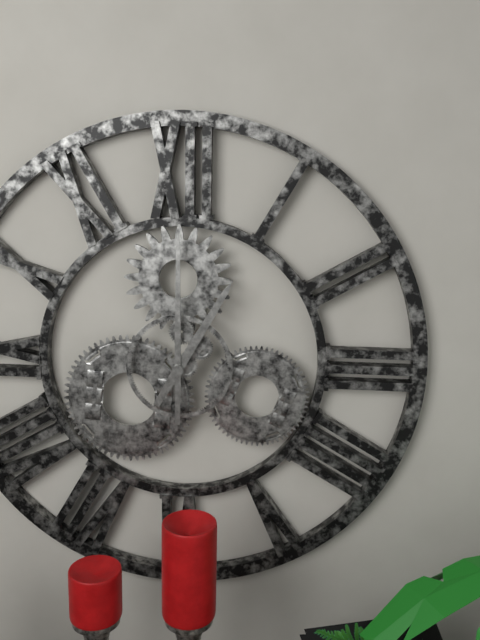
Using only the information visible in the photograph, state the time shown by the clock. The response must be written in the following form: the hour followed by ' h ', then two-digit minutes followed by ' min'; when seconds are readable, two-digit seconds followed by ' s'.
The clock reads 1 h 00 min
